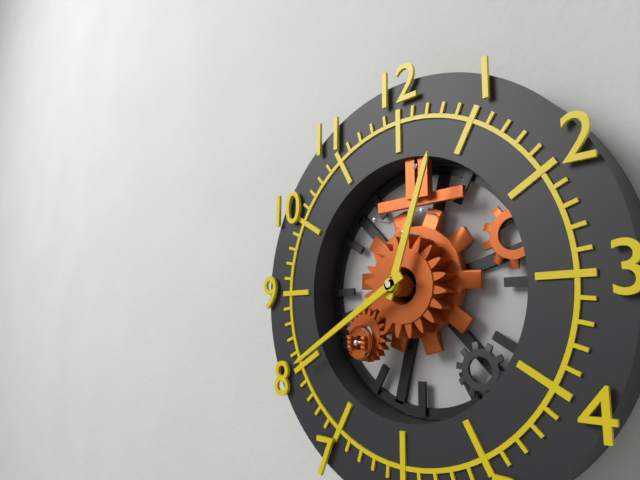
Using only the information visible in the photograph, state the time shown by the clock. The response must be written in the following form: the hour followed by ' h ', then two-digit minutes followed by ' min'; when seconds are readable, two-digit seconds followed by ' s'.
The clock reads 12 h 40 min
